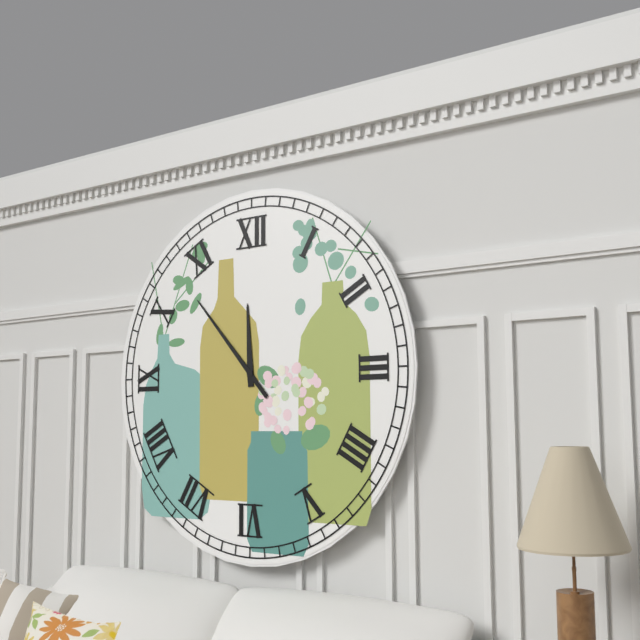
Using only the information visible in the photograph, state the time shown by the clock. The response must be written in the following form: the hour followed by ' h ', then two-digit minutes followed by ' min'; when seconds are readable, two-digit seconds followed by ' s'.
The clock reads 11 h 53 min
